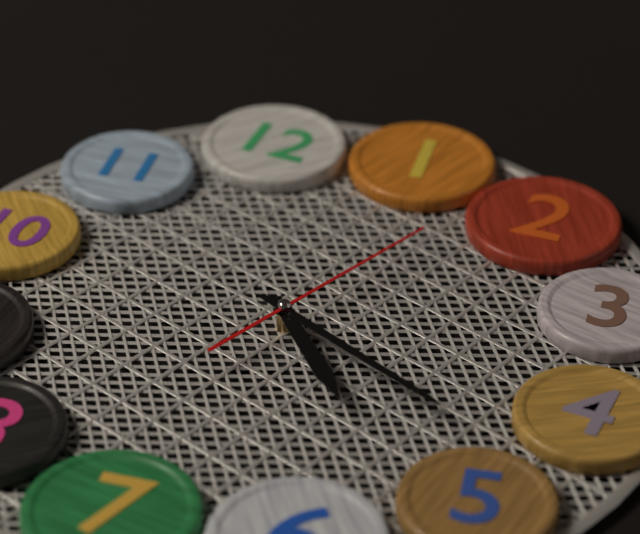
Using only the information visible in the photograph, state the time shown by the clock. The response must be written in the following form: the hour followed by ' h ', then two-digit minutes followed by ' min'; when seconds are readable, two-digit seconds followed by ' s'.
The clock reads 5 h 23 min 08 s
